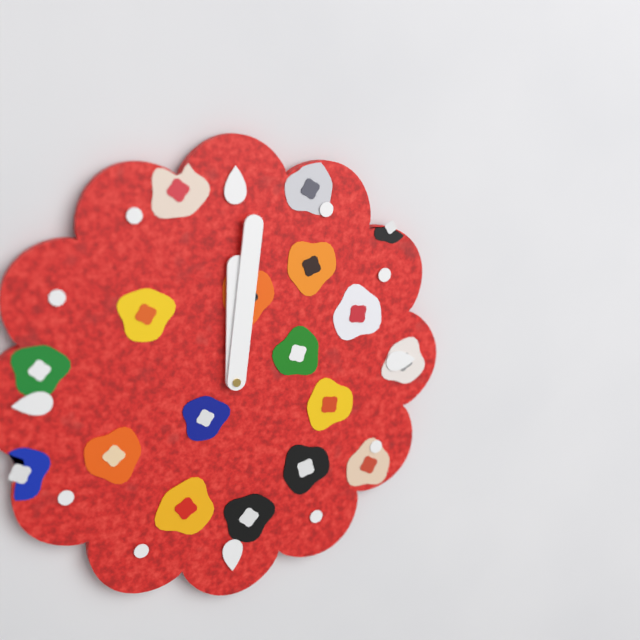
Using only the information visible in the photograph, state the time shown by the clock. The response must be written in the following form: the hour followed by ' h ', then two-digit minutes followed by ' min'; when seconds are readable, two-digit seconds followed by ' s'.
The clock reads 12 h 01 min
